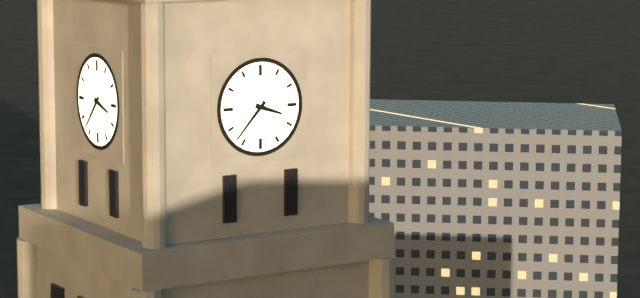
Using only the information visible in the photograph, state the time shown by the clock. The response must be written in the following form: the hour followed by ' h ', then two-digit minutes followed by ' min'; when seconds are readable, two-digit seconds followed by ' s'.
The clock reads 3 h 37 min
